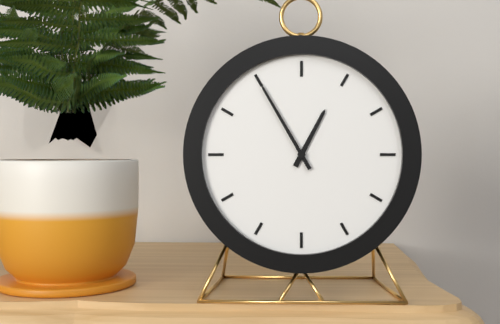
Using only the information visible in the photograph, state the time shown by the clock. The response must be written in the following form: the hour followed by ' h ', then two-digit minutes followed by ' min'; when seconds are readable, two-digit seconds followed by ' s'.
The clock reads 12 h 55 min
